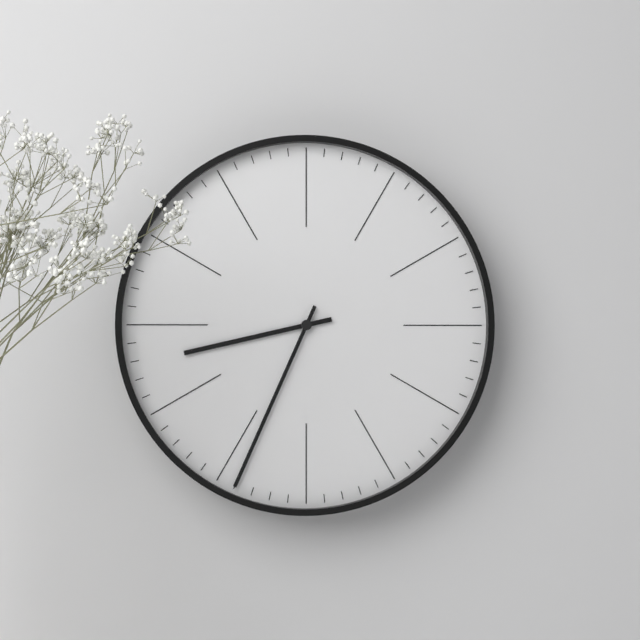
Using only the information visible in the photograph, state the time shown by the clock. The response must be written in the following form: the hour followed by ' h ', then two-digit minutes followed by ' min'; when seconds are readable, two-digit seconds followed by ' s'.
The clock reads 8 h 34 min
